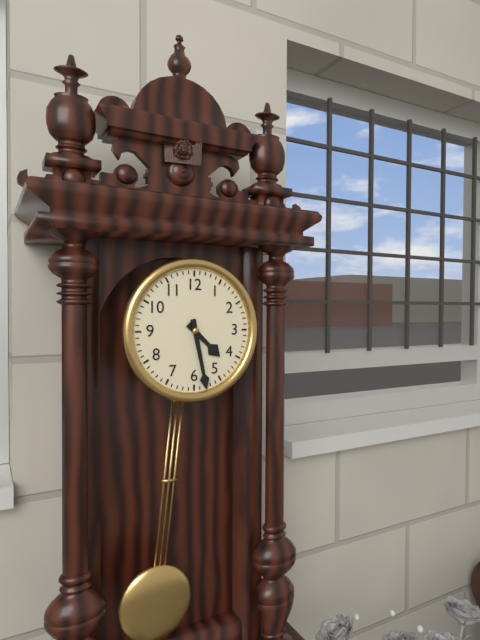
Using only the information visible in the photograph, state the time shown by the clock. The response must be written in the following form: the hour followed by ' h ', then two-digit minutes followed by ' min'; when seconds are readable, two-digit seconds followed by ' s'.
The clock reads 4 h 28 min
